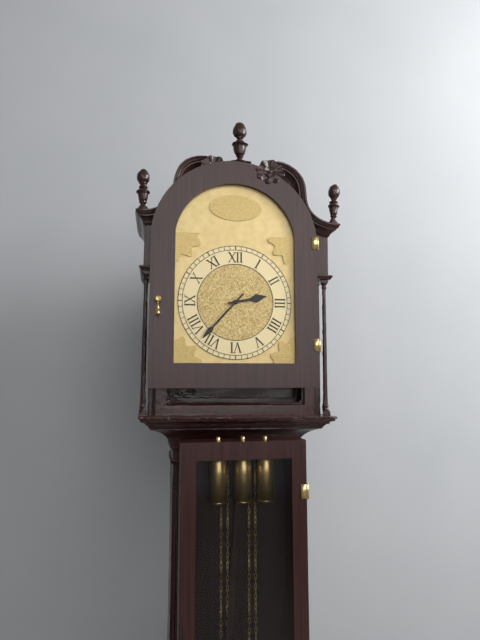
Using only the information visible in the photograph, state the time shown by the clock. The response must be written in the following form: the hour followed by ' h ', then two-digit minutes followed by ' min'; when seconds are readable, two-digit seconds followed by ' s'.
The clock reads 2 h 37 min
